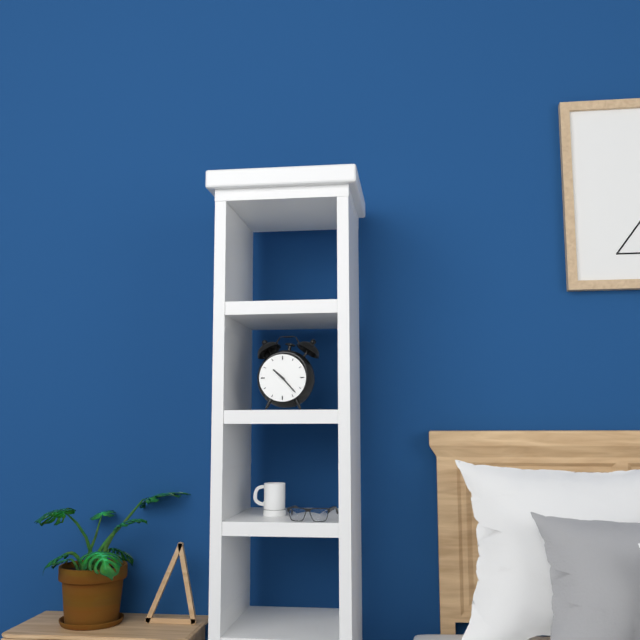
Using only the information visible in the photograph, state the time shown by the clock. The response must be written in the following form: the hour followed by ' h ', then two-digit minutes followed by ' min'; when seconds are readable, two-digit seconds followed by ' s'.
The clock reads 10 h 23 min
